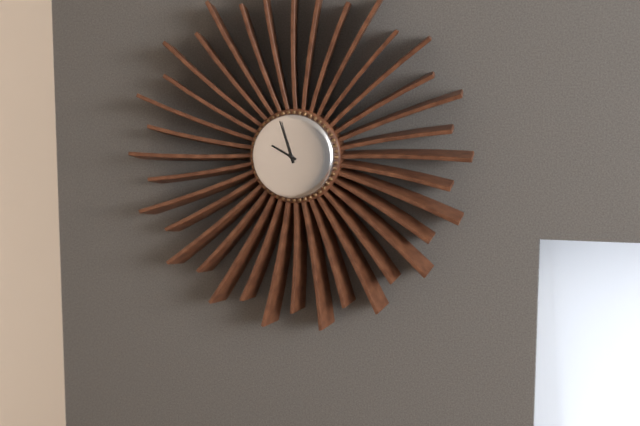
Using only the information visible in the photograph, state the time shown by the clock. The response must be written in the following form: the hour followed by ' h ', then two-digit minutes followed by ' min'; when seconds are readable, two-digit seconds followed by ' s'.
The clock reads 9 h 57 min
